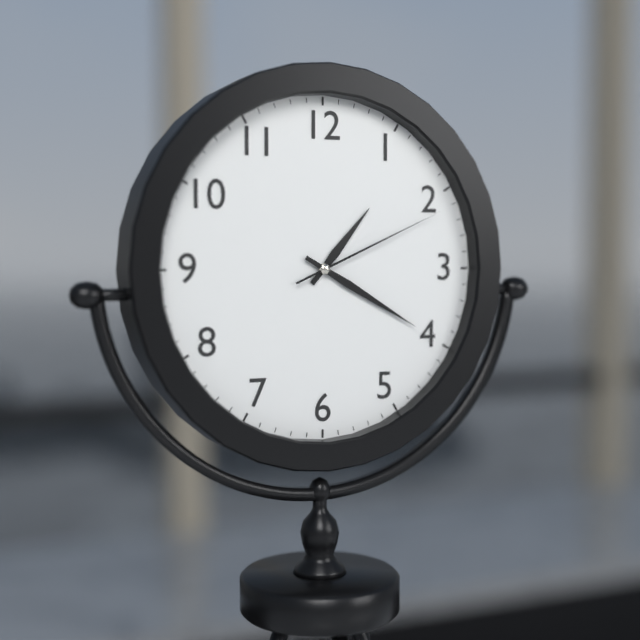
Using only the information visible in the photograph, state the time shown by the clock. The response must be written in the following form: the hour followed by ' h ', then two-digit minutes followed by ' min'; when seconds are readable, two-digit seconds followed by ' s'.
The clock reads 1 h 20 min 11 s
